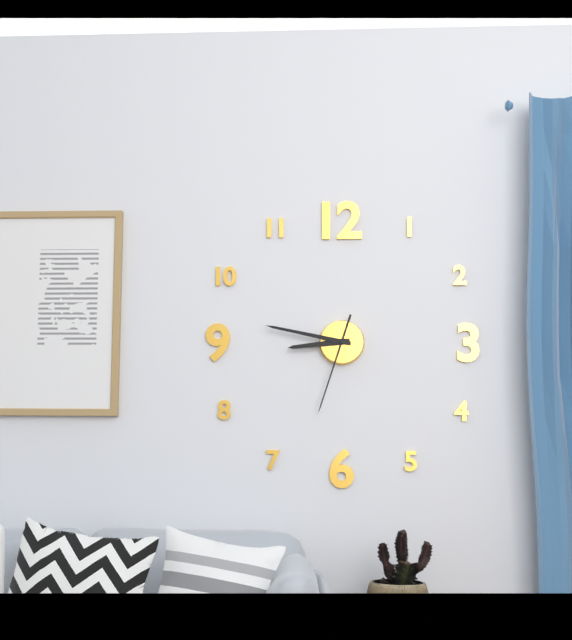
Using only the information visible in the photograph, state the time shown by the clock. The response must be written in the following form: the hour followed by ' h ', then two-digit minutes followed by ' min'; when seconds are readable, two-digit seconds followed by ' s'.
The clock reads 8 h 47 min 33 s
